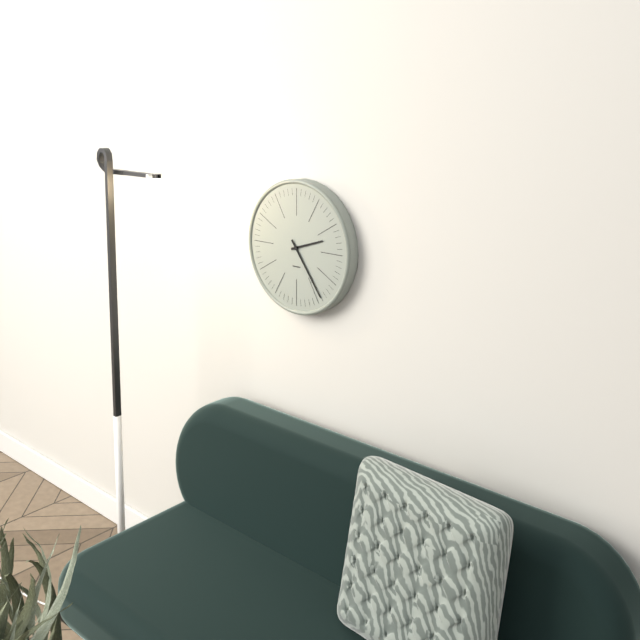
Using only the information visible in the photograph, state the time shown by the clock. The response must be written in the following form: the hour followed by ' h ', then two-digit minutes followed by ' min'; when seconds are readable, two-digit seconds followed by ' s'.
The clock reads 2 h 24 min
